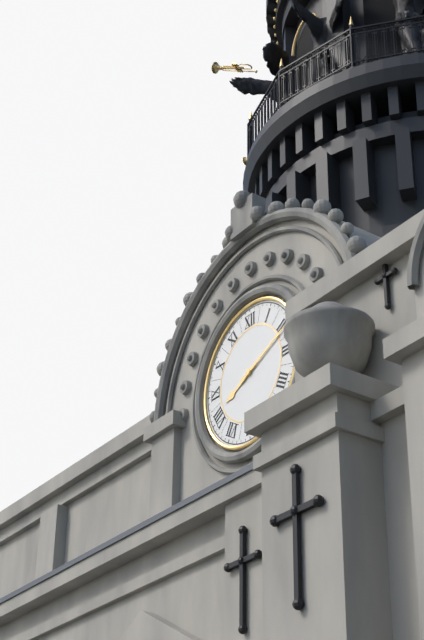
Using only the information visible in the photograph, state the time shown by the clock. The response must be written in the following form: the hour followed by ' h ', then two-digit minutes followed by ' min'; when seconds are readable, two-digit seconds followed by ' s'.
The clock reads 8 h 11 min
